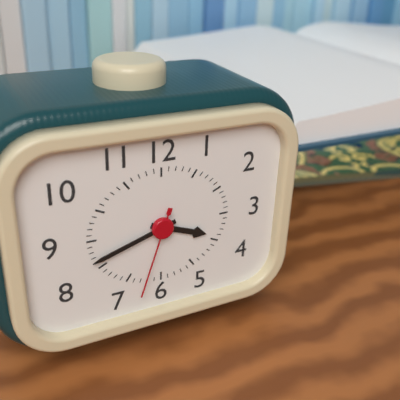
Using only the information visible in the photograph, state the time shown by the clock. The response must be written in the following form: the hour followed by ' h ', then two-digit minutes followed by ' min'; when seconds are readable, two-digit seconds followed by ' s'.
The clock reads 3 h 42 min 33 s
